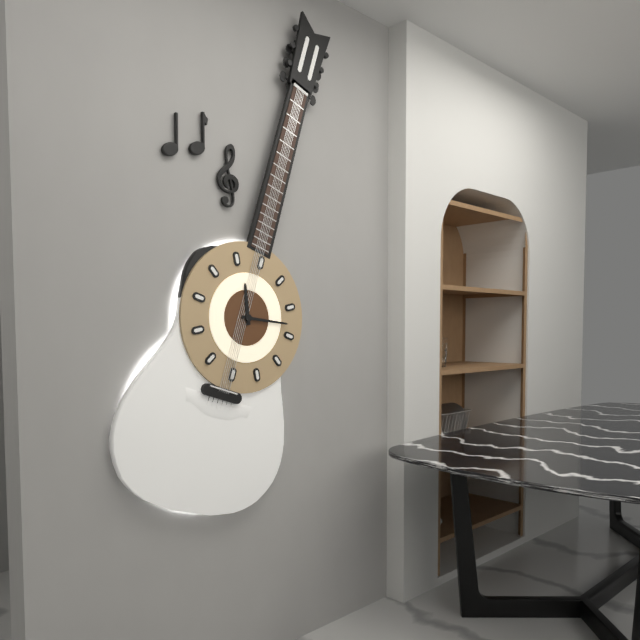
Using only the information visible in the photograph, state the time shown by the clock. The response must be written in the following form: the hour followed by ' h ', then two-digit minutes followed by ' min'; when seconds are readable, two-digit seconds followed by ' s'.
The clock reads 11 h 13 min
